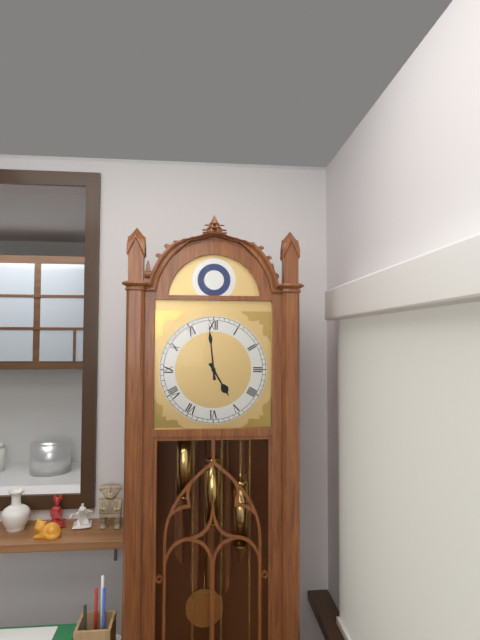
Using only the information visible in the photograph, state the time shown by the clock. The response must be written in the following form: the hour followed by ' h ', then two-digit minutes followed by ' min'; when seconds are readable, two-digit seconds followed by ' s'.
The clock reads 4 h 59 min
